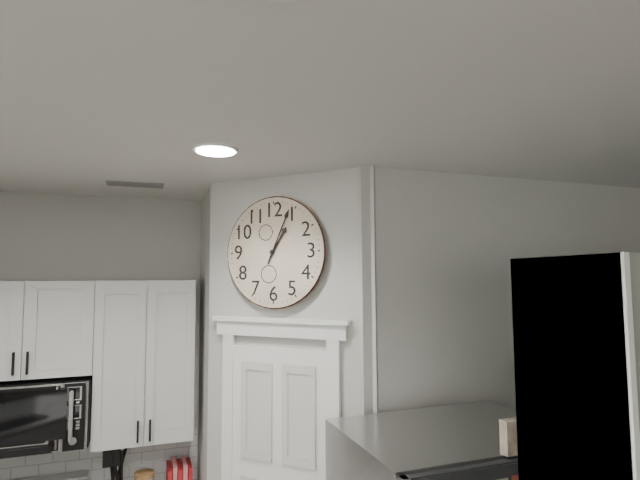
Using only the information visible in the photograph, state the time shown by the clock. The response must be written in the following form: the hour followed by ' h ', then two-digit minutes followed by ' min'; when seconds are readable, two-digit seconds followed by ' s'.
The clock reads 1 h 04 min
